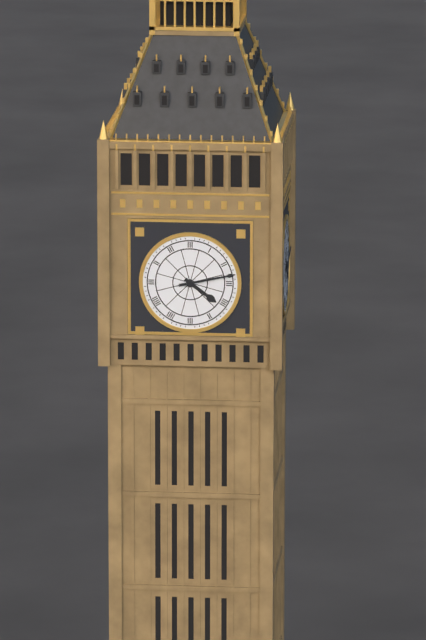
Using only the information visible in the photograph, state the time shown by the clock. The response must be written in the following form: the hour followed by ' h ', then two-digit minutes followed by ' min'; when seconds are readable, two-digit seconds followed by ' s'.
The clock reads 4 h 13 min
